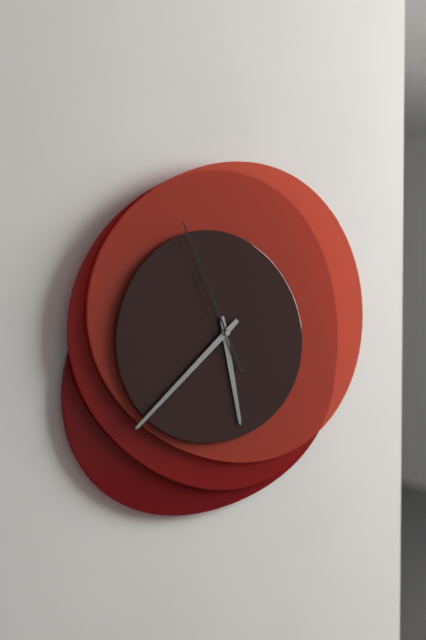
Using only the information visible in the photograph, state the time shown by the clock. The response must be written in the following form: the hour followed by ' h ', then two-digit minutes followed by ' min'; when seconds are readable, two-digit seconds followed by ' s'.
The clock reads 5 h 38 min 56 s
